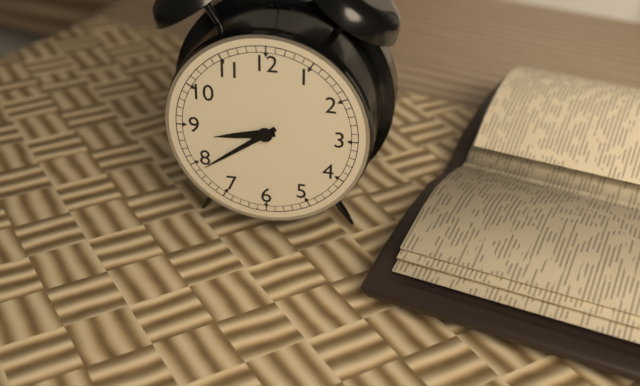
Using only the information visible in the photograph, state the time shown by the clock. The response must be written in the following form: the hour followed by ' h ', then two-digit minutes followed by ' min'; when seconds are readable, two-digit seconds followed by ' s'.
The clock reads 8 h 39 min
